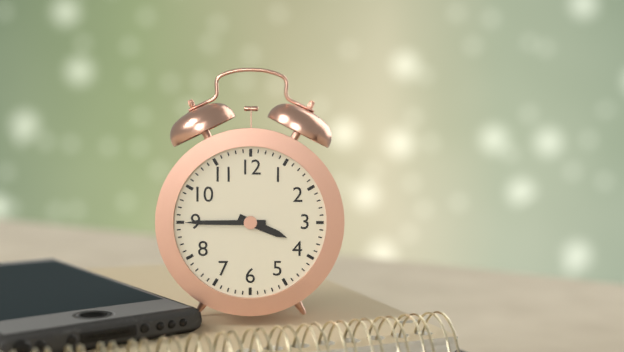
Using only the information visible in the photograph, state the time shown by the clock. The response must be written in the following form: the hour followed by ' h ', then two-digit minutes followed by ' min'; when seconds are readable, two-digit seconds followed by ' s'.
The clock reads 3 h 45 min
